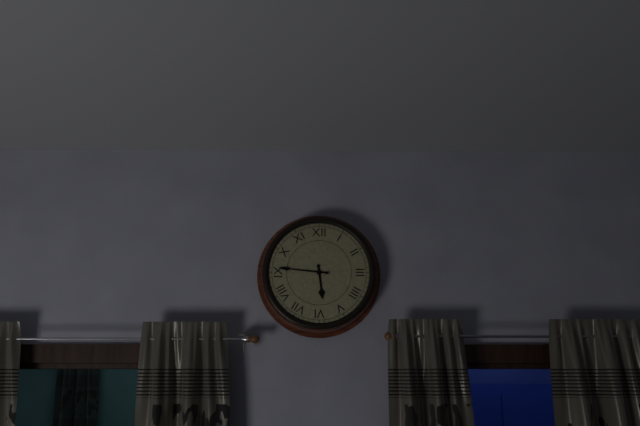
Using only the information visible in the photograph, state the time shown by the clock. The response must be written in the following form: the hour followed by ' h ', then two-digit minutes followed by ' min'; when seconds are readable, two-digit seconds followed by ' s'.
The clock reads 5 h 46 min
